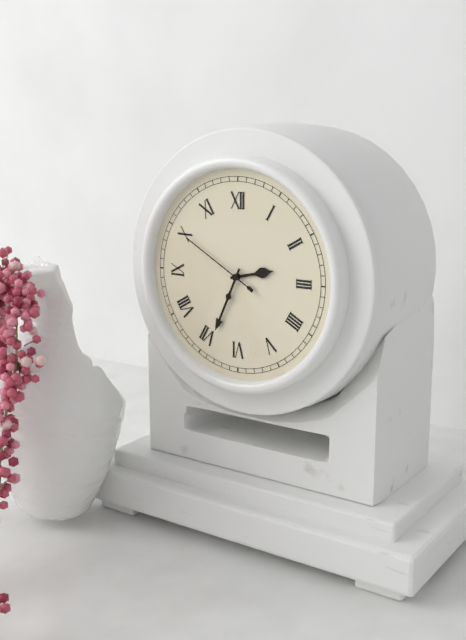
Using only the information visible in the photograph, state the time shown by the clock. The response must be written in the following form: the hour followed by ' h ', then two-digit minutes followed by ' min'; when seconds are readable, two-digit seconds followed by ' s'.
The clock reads 2 h 34 min 50 s
